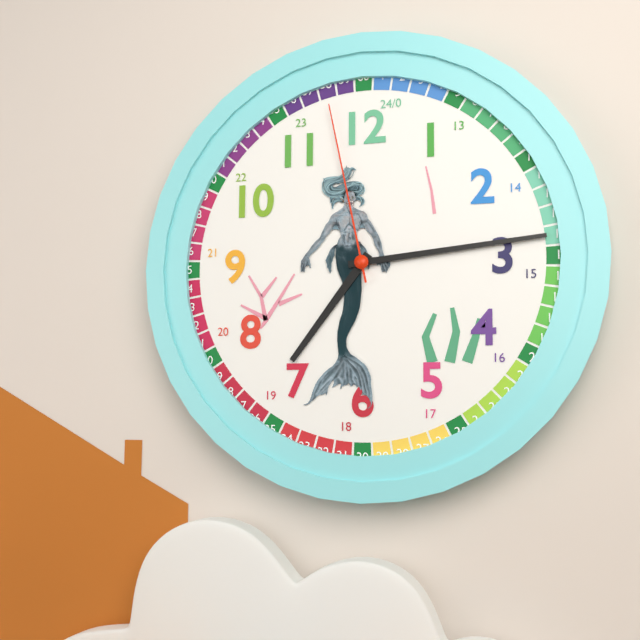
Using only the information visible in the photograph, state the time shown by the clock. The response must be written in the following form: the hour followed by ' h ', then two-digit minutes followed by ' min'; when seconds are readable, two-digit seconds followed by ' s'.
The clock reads 7 h 14 min 58 s
